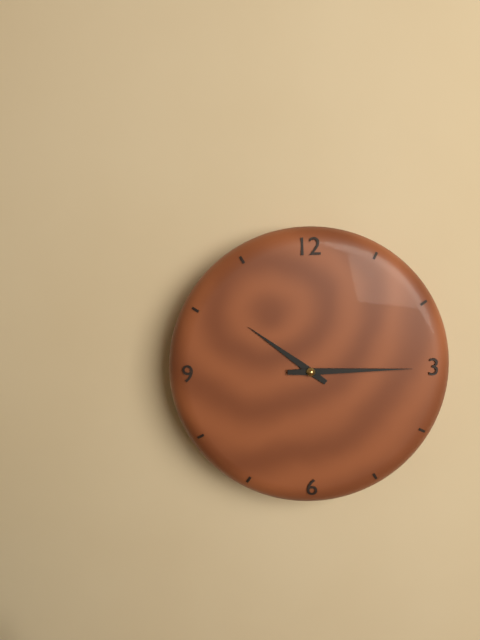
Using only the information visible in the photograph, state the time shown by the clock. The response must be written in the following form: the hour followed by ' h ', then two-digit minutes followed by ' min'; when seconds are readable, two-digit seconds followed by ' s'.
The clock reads 10 h 15 min
